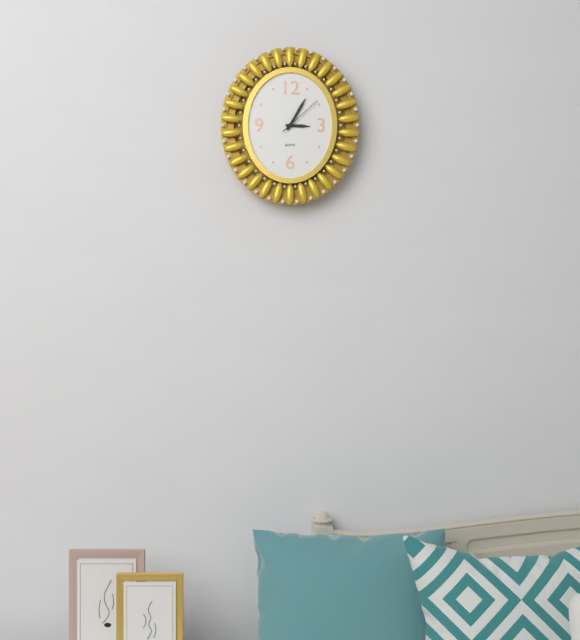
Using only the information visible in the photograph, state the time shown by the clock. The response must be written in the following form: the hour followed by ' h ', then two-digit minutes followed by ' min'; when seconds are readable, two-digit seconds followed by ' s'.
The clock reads 3 h 05 min
